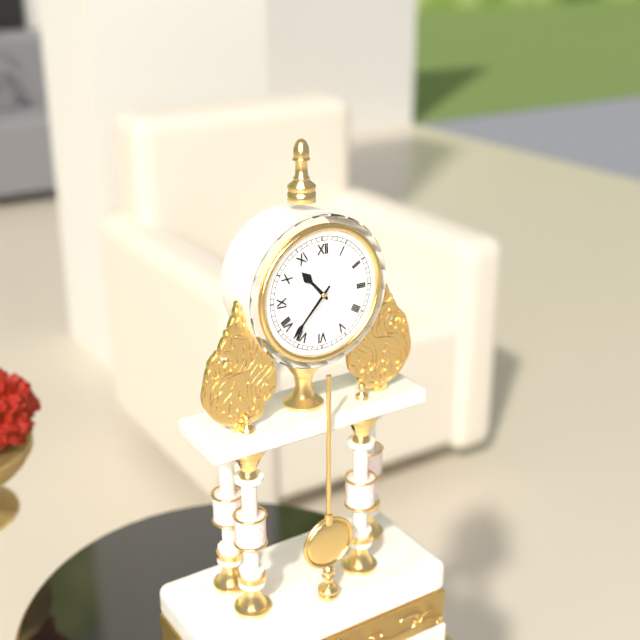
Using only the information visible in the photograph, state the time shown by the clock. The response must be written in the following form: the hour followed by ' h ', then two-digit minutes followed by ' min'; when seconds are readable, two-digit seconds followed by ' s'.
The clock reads 10 h 37 min
